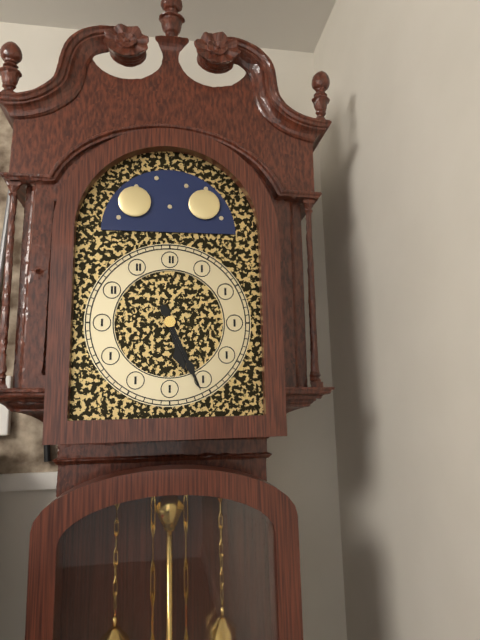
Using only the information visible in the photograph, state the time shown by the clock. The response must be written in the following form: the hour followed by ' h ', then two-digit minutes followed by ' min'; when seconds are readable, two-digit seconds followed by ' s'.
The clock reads 5 h 26 min
